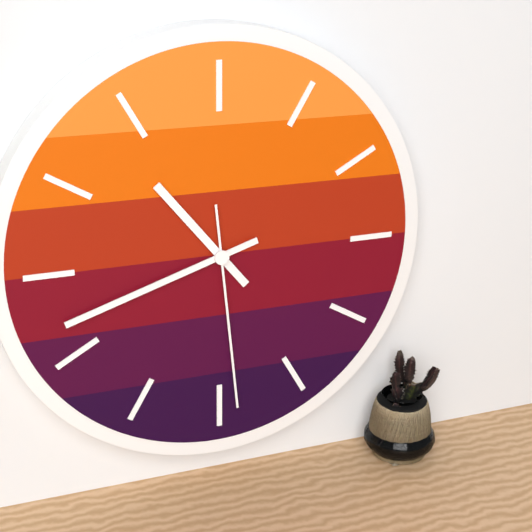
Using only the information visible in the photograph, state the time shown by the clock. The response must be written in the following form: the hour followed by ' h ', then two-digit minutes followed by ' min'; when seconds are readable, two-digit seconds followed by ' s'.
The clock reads 10 h 42 min 29 s
